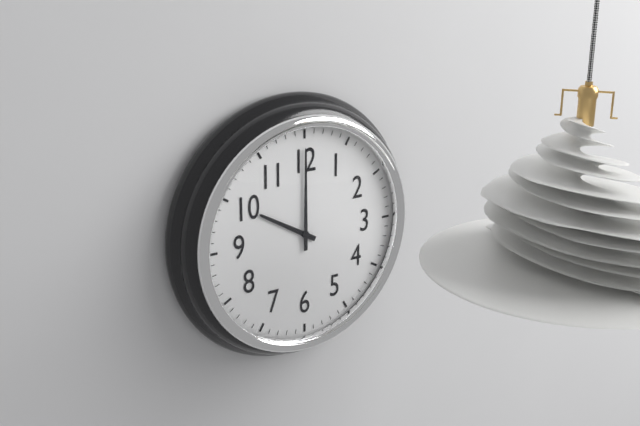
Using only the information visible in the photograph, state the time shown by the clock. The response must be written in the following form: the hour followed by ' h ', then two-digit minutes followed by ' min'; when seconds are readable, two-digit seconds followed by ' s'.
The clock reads 10 h 00 min
